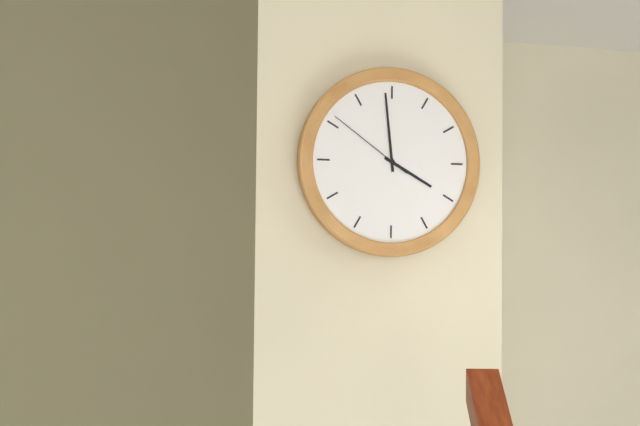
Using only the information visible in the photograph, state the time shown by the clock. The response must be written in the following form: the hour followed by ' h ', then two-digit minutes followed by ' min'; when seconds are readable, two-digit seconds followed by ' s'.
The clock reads 3 h 59 min 51 s
